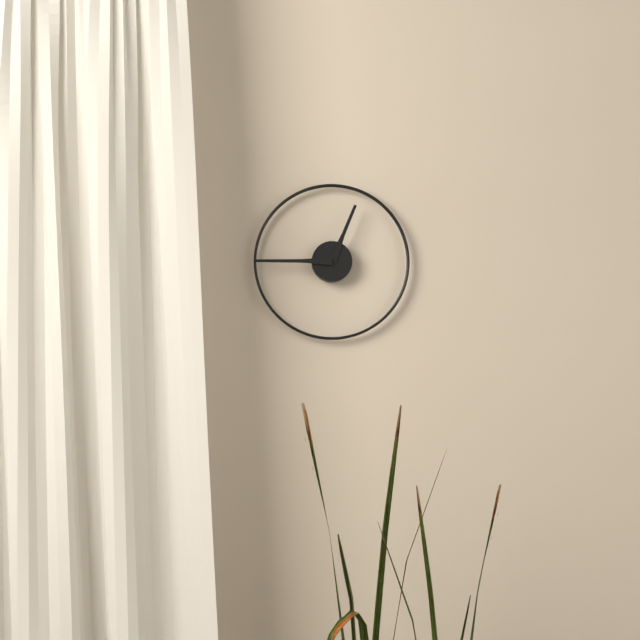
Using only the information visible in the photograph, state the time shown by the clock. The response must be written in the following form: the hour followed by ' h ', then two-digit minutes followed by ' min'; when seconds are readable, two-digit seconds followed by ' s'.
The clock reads 12 h 45 min
